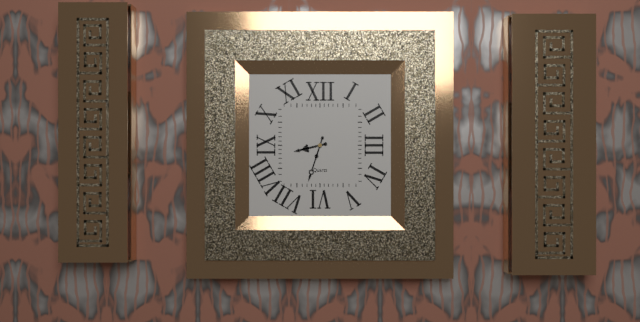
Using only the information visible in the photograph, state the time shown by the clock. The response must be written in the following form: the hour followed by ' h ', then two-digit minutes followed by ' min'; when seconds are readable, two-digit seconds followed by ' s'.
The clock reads 8 h 33 min
